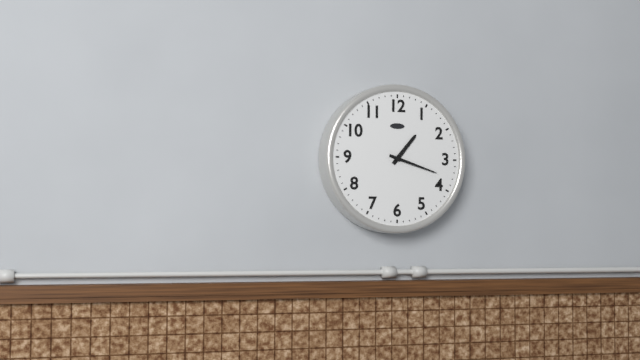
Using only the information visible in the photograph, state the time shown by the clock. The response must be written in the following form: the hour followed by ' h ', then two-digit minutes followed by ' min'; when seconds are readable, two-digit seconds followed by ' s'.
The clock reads 1 h 18 min
